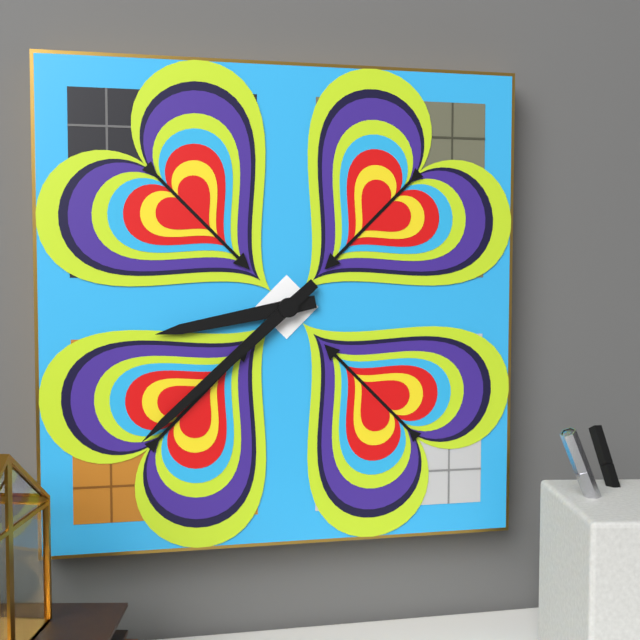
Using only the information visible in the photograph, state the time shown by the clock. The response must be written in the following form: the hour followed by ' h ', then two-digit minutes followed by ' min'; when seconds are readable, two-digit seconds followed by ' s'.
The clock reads 8 h 38 min
